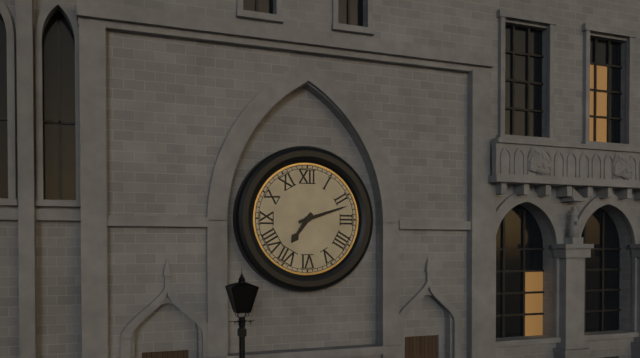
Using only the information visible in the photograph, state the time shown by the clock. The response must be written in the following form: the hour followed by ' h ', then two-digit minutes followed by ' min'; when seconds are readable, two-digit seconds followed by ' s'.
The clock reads 7 h 12 min
